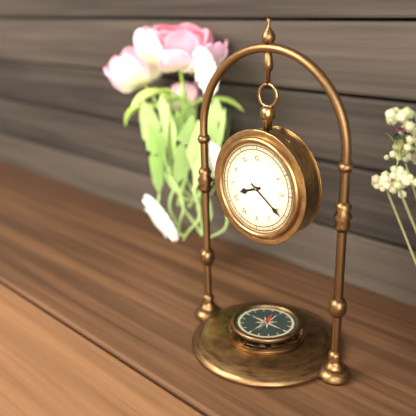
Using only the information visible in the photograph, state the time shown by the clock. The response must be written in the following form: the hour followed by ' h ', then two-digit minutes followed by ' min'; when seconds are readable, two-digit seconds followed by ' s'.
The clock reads 8 h 21 min
